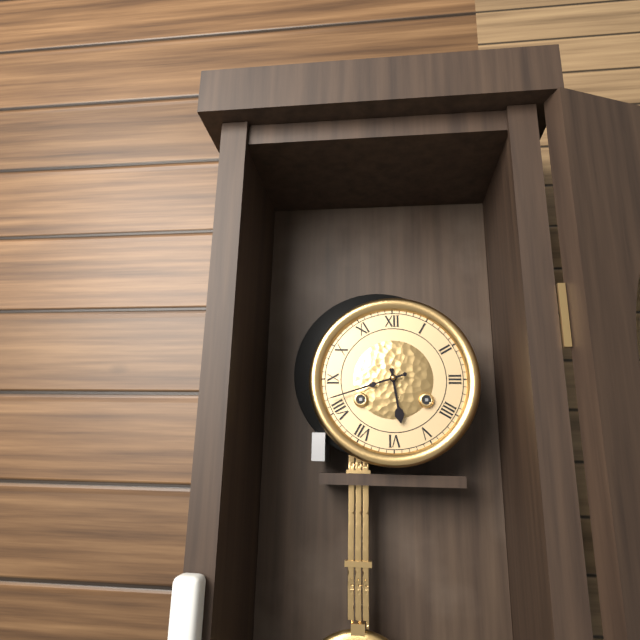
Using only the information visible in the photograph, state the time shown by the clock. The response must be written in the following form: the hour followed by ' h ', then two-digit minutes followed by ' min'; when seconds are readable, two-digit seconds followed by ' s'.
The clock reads 5 h 42 min
